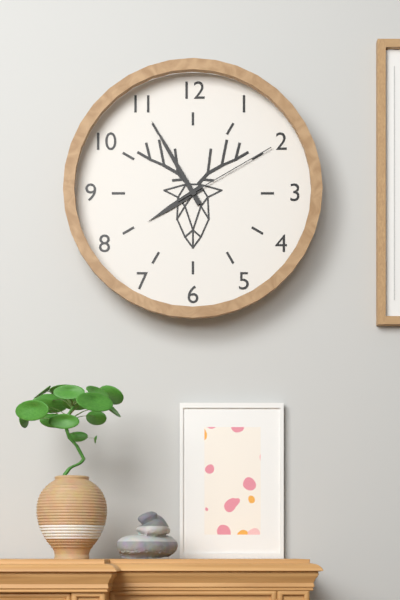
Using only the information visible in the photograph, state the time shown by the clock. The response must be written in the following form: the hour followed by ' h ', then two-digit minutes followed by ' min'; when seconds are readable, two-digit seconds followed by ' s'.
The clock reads 7 h 55 min 10 s
